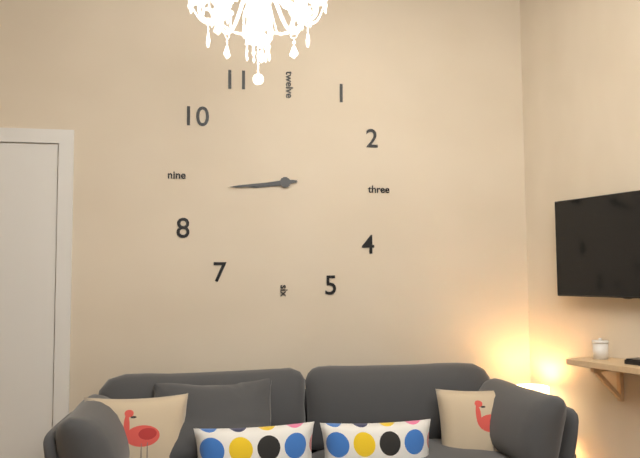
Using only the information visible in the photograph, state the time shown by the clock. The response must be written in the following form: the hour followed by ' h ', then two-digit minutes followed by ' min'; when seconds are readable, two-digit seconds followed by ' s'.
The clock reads 8 h 44 min
